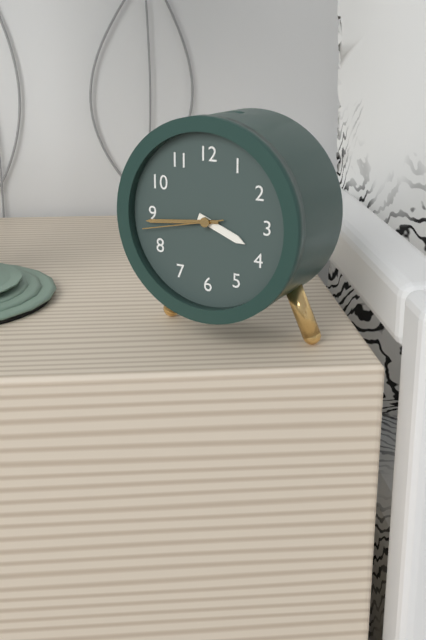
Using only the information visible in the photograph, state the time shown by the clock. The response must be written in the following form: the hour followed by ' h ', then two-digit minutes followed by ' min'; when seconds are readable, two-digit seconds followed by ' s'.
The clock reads 3 h 44 min 43 s
